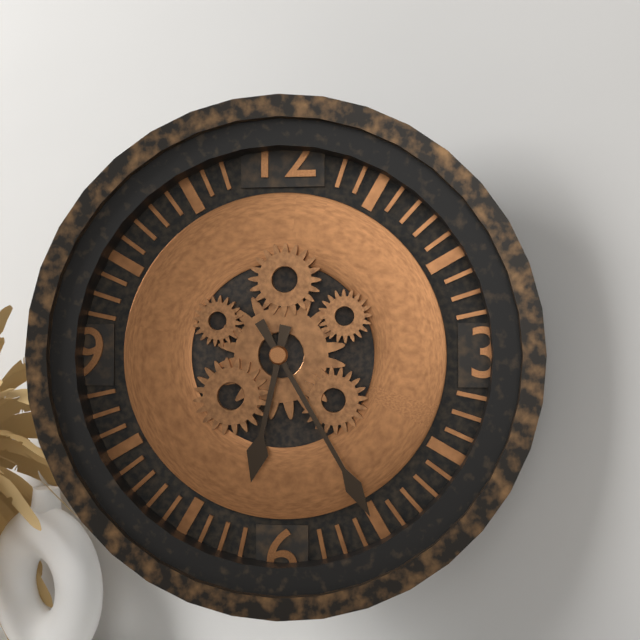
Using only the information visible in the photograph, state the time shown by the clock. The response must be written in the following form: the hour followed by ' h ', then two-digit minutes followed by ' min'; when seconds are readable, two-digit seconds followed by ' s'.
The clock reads 6 h 25 min
